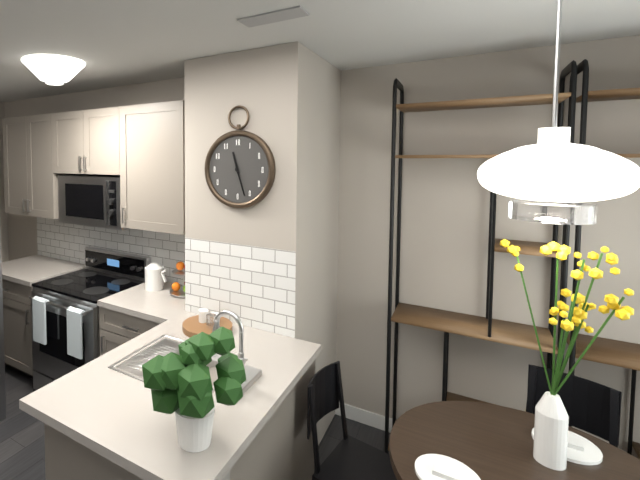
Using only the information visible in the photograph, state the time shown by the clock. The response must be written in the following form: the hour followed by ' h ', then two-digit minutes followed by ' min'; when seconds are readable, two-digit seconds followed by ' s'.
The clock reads 11 h 27 min
